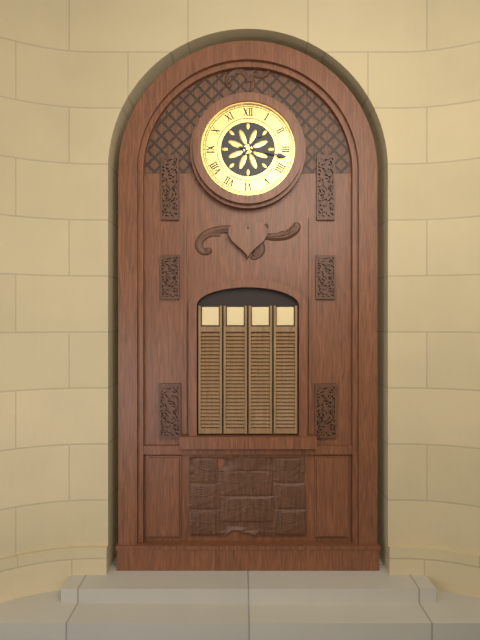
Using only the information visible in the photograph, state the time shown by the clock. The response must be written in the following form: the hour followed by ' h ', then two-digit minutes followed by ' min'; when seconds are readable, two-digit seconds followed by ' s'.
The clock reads 1 h 17 min
